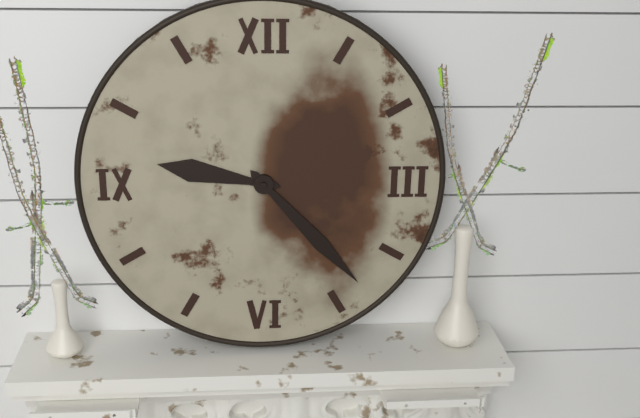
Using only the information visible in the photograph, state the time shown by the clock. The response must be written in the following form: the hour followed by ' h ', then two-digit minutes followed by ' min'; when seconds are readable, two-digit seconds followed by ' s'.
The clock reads 9 h 23 min
